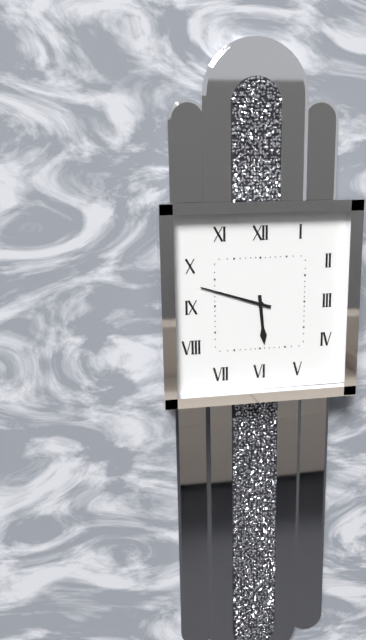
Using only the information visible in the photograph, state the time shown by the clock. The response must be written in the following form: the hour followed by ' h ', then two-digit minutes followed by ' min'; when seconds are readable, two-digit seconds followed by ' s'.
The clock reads 5 h 48 min
